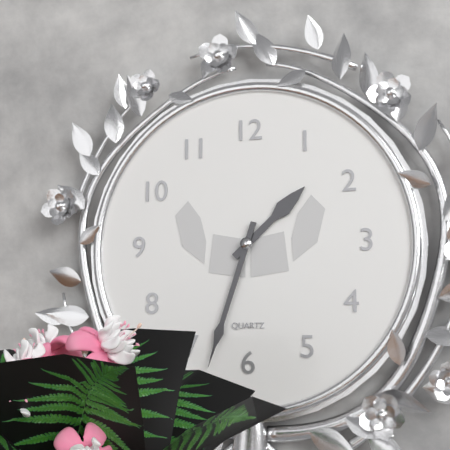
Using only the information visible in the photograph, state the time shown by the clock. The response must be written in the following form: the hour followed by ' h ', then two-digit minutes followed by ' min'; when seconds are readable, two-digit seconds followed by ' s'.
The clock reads 1 h 33 min
